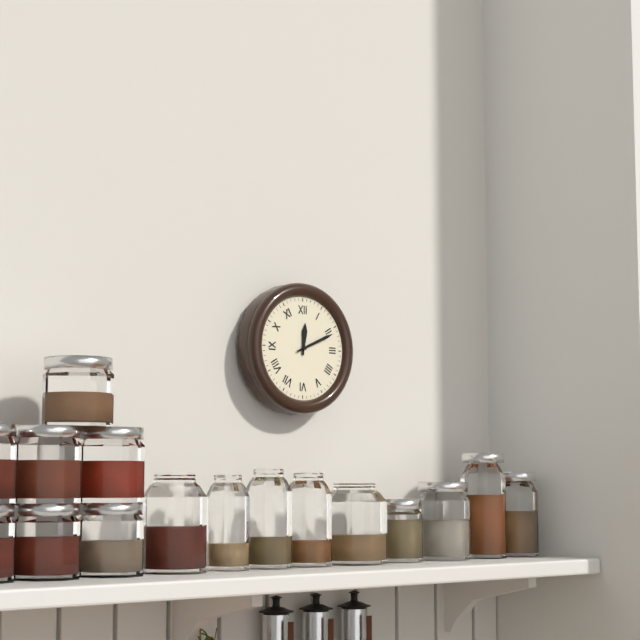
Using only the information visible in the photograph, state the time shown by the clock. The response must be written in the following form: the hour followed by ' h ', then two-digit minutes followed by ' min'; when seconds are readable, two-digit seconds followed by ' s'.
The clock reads 12 h 11 min
